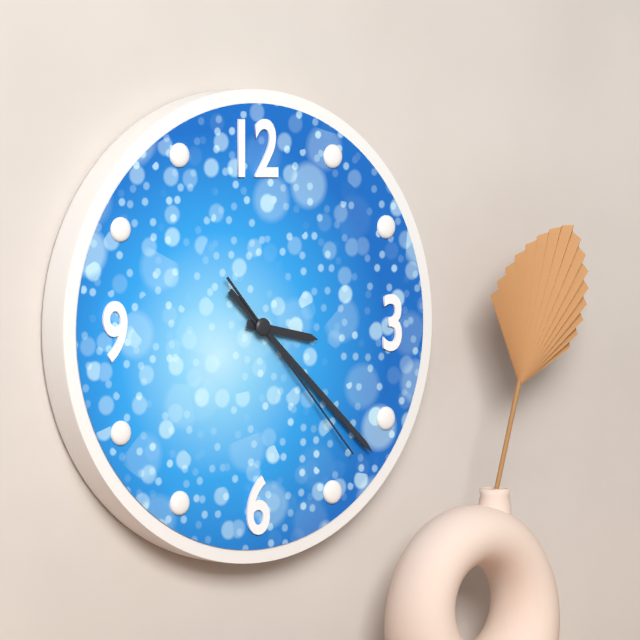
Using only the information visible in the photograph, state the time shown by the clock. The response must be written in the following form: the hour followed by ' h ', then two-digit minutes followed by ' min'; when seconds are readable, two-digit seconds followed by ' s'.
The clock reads 3 h 22 min 23 s
